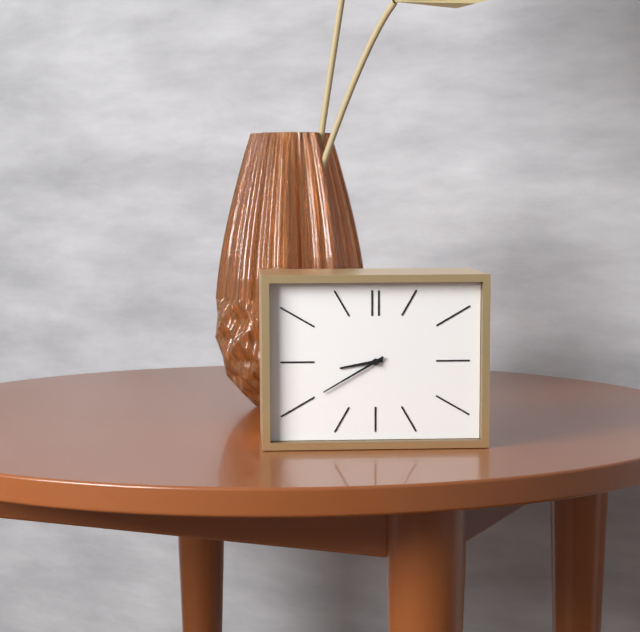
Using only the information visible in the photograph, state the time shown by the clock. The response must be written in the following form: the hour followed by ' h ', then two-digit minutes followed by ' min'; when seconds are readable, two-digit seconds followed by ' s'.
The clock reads 8 h 40 min
